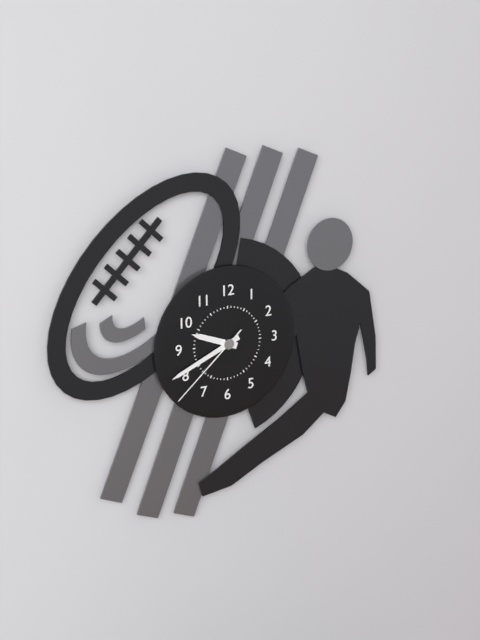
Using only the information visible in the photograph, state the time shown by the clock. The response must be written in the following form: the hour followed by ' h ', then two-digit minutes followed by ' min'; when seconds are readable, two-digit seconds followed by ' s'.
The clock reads 9 h 41 min 38 s
